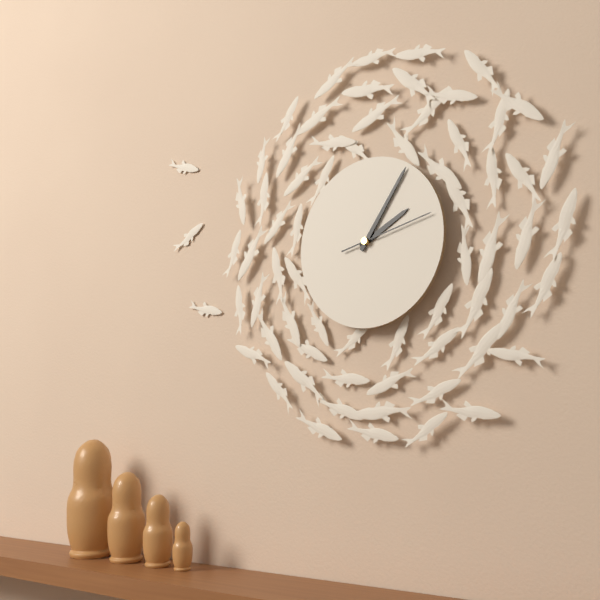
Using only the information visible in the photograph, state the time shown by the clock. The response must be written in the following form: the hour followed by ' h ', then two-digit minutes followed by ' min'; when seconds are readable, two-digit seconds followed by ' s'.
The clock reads 2 h 06 min 13 s
